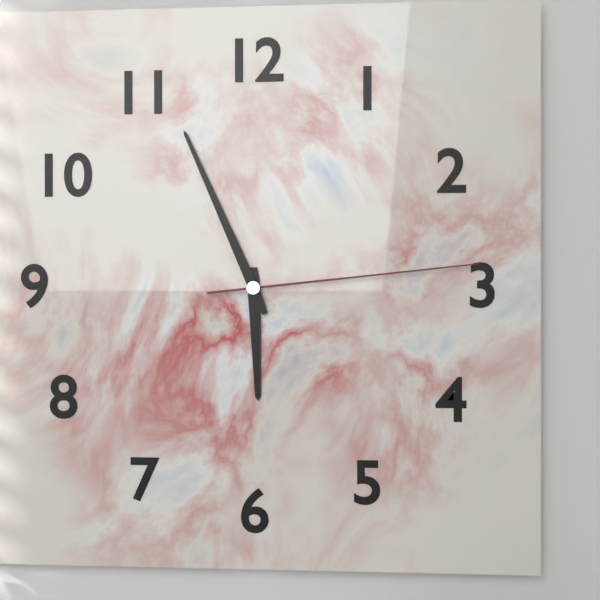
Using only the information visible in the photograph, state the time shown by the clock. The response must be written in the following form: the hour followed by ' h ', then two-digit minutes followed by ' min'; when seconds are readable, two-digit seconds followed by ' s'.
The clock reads 5 h 56 min 14 s
